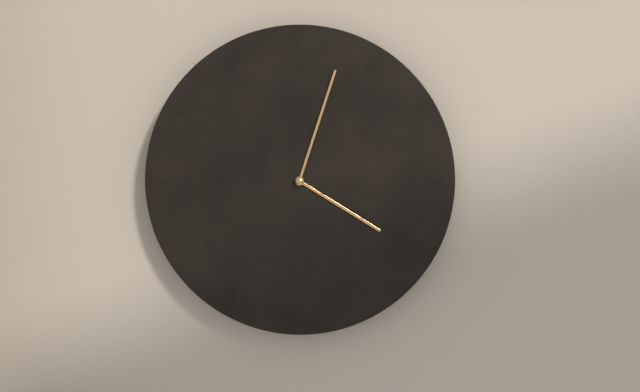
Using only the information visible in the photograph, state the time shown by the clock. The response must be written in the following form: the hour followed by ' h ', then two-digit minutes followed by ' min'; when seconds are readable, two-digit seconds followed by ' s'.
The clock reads 4 h 03 min
